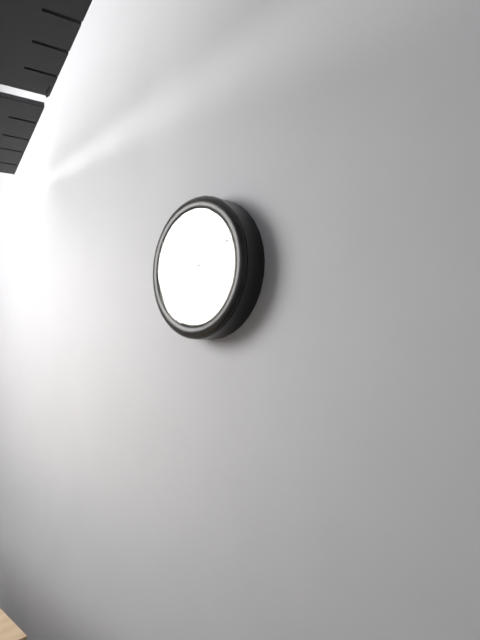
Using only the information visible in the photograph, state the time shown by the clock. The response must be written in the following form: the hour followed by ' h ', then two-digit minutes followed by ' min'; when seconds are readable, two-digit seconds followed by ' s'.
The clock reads 8 h 11 min
